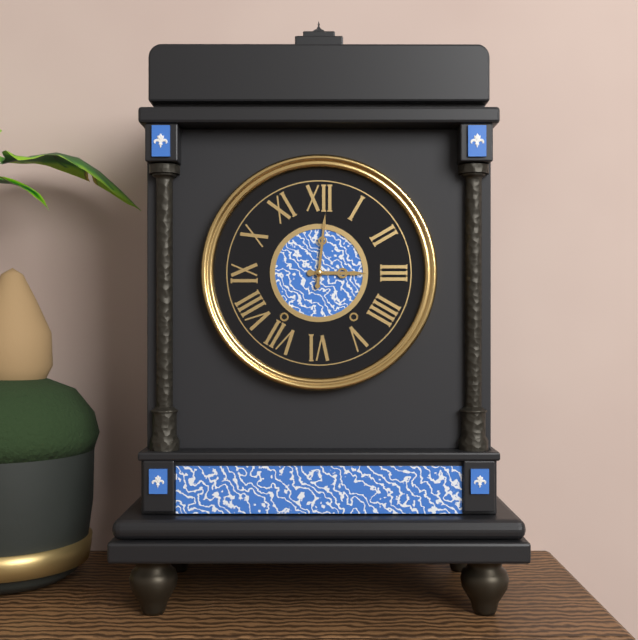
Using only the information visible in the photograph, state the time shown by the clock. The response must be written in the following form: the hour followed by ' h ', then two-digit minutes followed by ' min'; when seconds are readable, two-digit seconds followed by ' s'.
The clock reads 3 h 01 min
